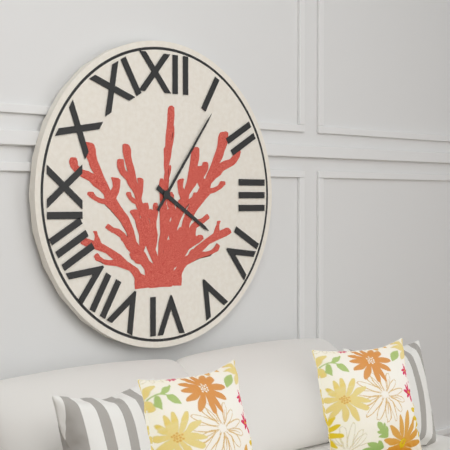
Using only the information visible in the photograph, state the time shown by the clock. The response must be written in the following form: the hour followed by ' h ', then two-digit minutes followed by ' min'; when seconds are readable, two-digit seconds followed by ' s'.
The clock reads 4 h 06 min
